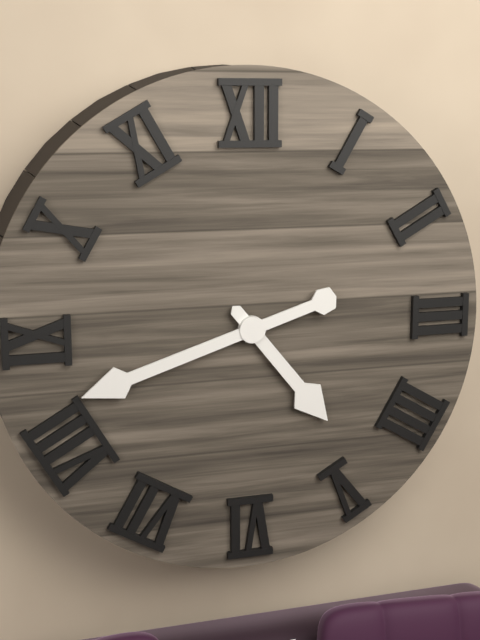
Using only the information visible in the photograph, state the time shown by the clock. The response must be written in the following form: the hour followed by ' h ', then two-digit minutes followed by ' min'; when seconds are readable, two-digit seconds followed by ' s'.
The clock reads 4 h 42 min
